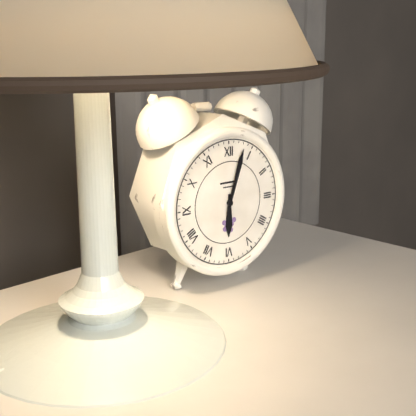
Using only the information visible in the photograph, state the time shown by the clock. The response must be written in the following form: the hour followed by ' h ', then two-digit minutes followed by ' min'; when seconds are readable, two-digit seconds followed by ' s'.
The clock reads 6 h 03 min
